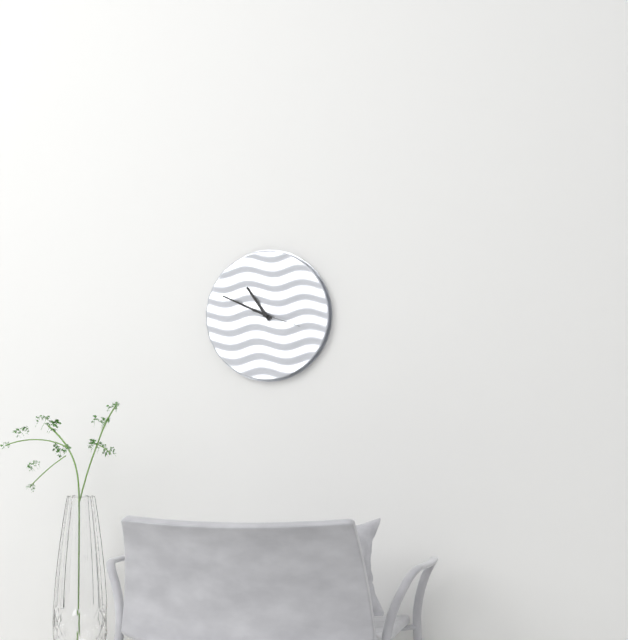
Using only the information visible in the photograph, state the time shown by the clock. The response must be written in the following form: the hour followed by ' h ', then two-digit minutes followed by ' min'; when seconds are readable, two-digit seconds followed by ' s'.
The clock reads 10 h 49 min
